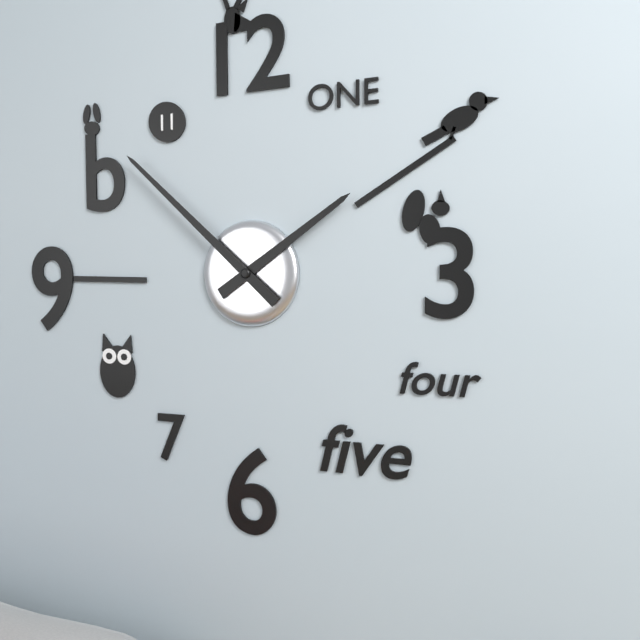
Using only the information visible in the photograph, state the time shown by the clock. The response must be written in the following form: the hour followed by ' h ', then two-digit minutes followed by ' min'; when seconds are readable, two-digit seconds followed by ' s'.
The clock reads 1 h 52 min
